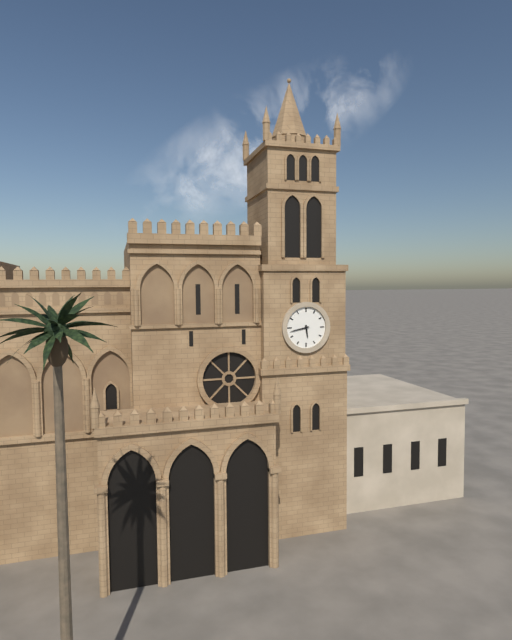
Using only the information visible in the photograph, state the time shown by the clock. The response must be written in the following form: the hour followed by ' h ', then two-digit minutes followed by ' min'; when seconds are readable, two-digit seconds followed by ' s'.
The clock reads 5 h 43 min
